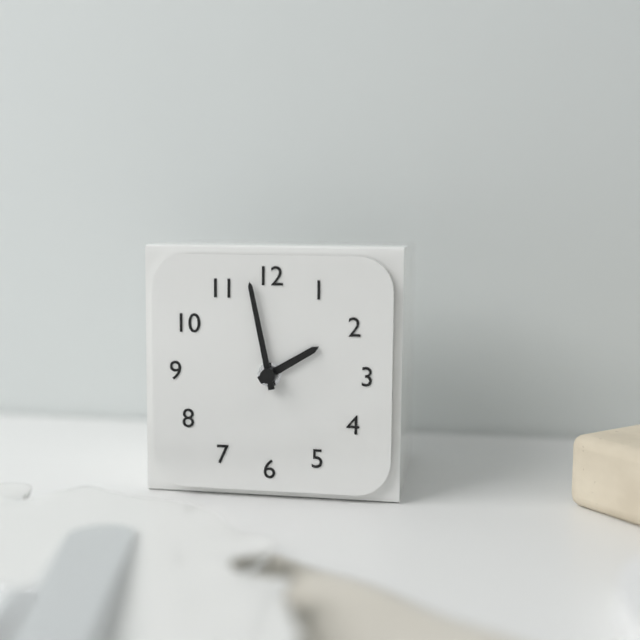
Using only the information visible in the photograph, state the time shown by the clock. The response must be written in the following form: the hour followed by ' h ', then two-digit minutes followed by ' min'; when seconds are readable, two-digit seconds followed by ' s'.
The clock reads 1 h 58 min
